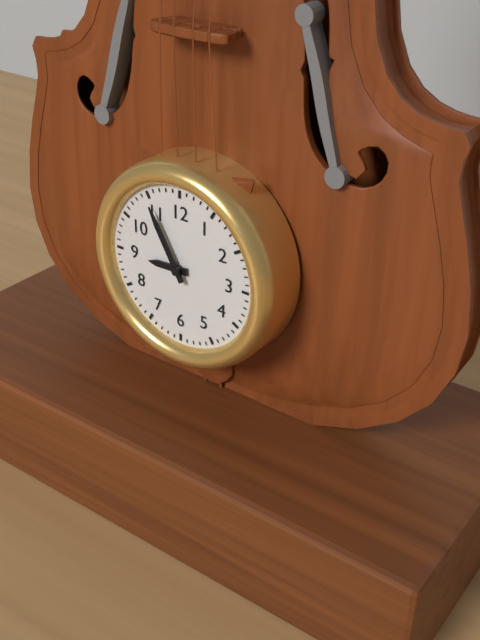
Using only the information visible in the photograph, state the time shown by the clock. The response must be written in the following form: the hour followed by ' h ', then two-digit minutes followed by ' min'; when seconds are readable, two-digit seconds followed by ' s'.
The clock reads 8 h 55 min
